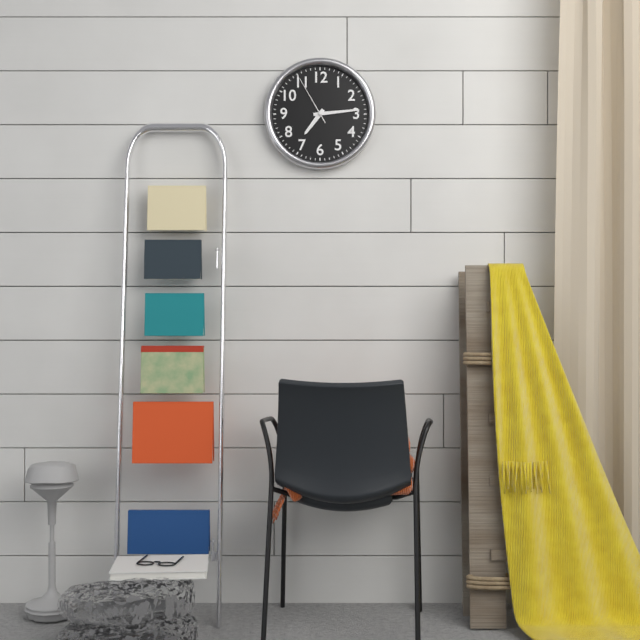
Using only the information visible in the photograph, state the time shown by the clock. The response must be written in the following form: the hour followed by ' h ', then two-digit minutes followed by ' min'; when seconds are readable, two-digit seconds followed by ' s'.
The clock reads 7 h 14 min 55 s
